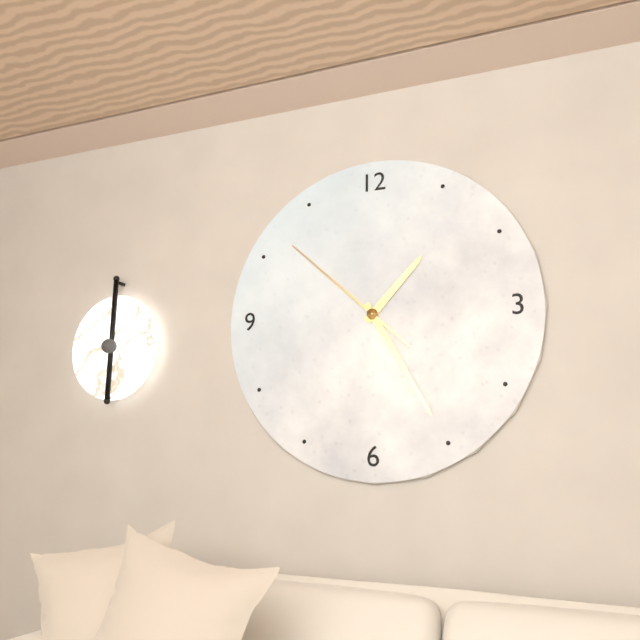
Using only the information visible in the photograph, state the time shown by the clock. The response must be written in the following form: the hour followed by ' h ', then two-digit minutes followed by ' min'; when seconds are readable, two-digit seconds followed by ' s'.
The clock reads 1 h 25 min 52 s
